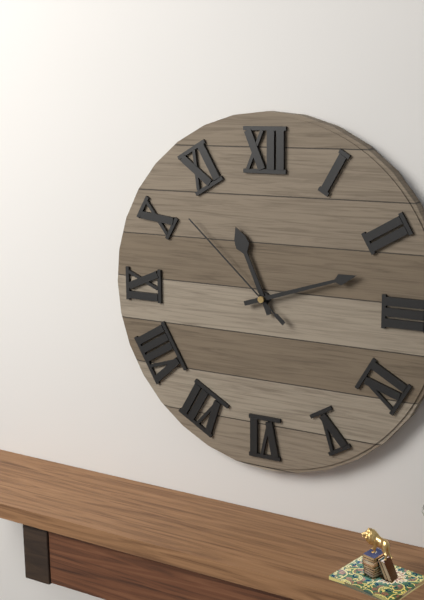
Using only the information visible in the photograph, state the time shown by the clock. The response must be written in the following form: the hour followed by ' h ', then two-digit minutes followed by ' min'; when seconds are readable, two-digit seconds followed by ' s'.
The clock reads 11 h 12 min 52 s
